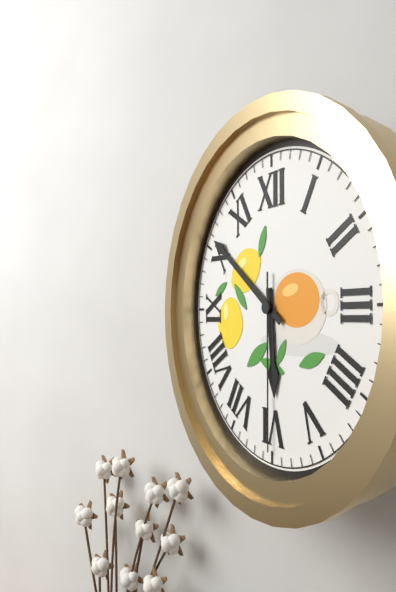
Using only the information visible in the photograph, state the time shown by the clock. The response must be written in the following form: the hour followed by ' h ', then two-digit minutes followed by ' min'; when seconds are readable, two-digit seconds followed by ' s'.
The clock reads 5 h 51 min 30 s
